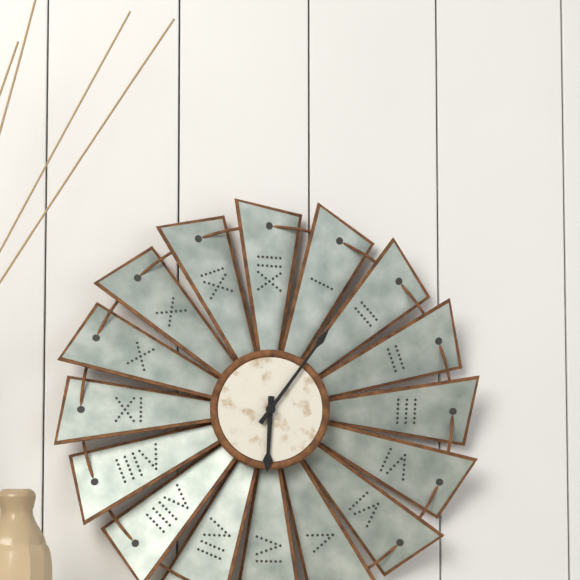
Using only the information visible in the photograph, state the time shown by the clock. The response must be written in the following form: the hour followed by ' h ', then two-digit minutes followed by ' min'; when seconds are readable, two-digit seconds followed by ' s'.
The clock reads 6 h 06 min
